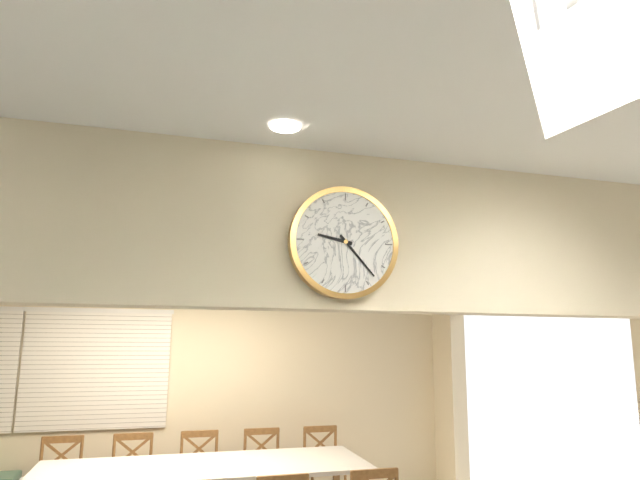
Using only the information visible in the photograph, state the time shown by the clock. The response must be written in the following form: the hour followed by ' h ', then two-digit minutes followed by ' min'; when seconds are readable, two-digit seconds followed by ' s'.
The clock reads 9 h 23 min
